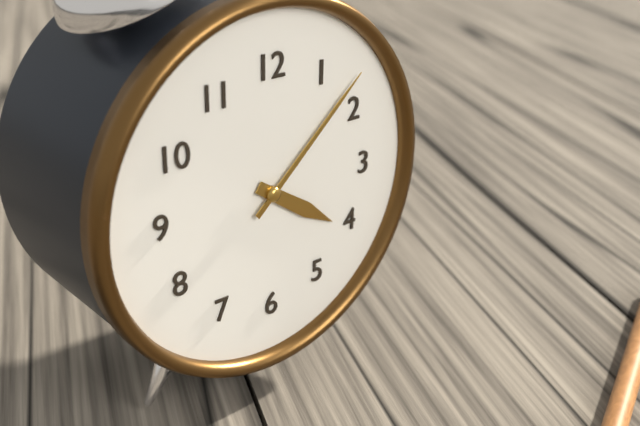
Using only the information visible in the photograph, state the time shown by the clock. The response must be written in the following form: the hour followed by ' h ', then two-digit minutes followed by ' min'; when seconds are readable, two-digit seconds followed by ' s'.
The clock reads 4 h 08 min
